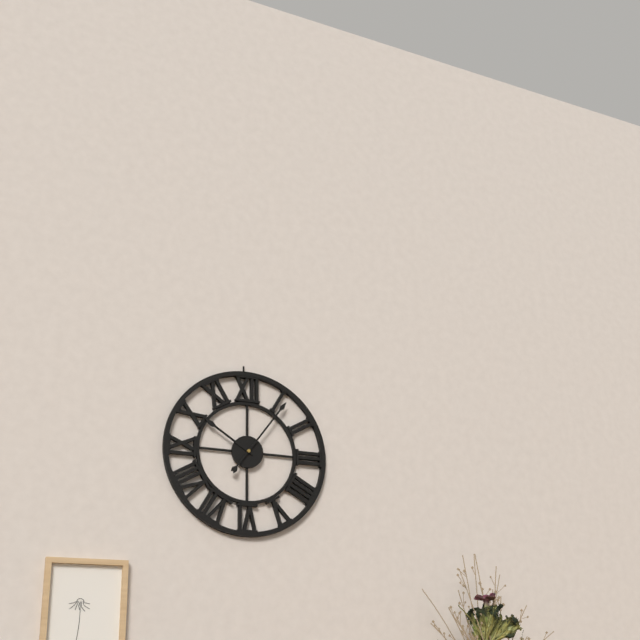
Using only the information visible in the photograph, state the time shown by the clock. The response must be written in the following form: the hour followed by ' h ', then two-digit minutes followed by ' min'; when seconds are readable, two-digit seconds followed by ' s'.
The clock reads 10 h 06 min
